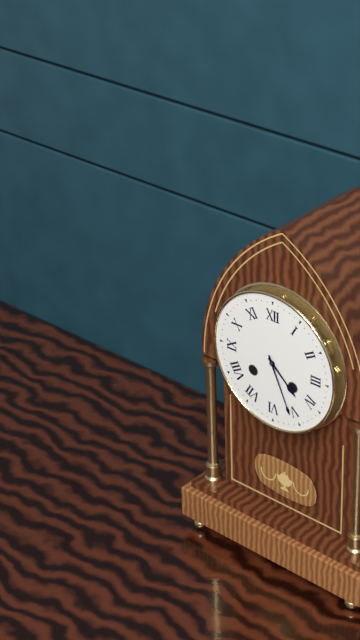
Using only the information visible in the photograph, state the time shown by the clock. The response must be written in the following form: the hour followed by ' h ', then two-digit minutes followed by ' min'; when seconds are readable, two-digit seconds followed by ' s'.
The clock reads 4 h 26 min
